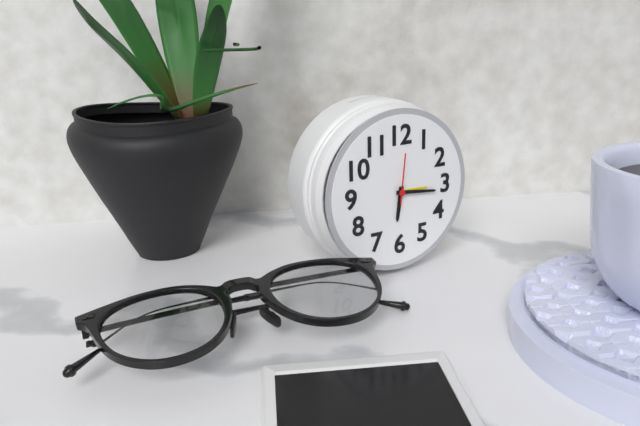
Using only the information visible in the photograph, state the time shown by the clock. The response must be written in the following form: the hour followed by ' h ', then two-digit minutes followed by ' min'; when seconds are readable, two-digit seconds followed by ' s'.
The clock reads 6 h 16 min
